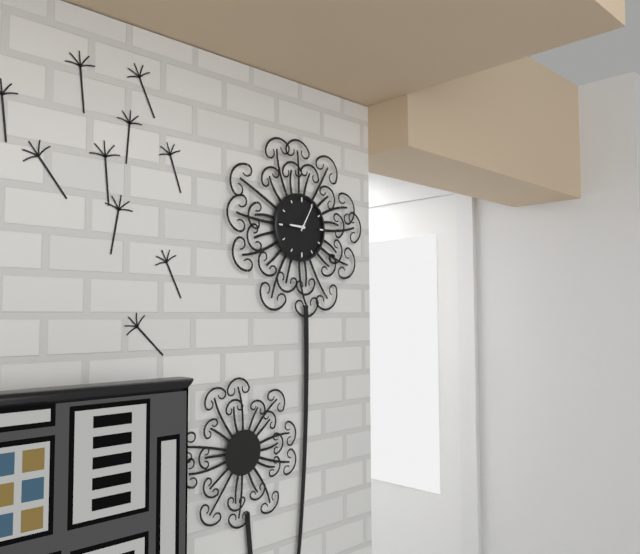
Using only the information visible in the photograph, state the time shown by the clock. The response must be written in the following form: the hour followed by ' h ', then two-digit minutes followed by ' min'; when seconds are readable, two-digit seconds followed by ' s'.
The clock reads 9 h 05 min
